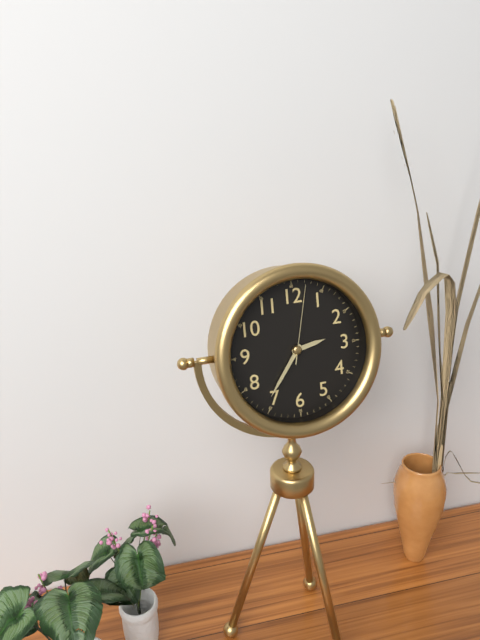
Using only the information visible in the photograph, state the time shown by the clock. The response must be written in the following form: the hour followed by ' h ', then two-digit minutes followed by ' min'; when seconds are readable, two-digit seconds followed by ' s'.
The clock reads 2 h 36 min 02 s
